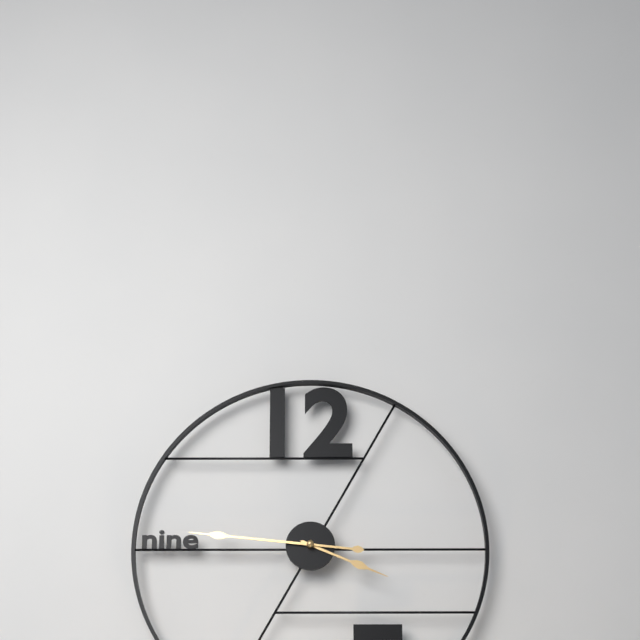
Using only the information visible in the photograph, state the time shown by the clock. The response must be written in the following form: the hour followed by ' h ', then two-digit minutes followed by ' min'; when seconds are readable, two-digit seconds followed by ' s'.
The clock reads 3 h 46 min
